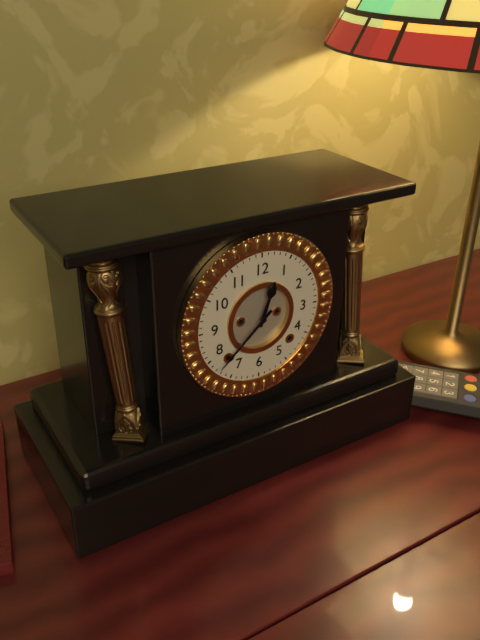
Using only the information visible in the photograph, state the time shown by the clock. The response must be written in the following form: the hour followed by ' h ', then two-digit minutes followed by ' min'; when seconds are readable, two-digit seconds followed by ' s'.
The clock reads 12 h 38 min
